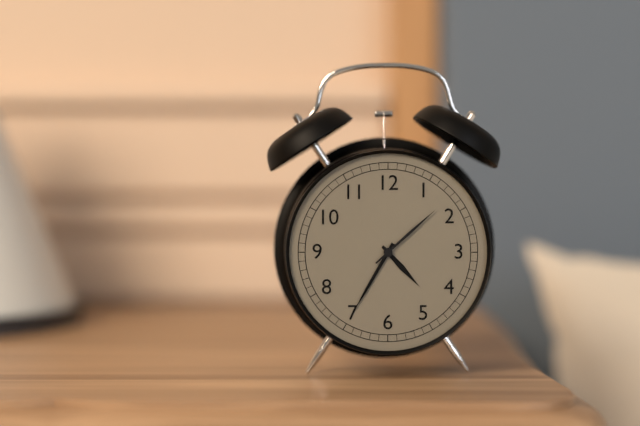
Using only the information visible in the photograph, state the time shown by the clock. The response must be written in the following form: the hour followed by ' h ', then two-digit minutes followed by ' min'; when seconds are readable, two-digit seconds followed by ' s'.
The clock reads 4 h 35 min 08 s
